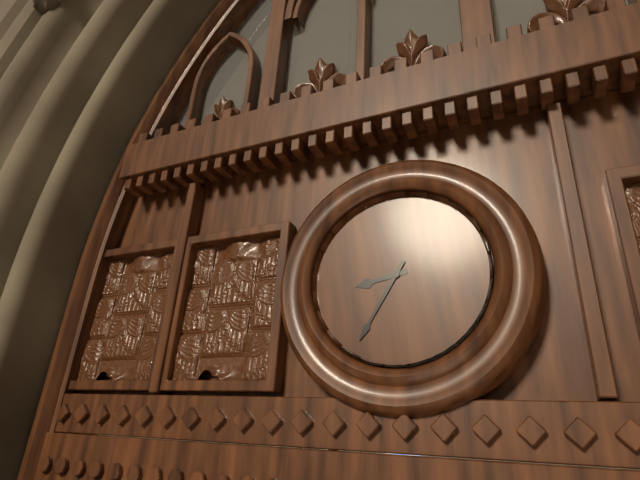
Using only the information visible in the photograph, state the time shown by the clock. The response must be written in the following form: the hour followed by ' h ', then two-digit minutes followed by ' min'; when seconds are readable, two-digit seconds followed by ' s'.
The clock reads 8 h 35 min
